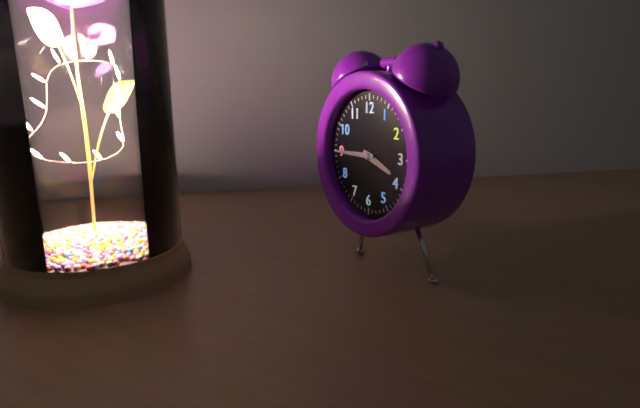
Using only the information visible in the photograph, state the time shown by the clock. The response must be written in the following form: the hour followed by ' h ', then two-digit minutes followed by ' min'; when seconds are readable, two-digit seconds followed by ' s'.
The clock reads 3 h 45 min
